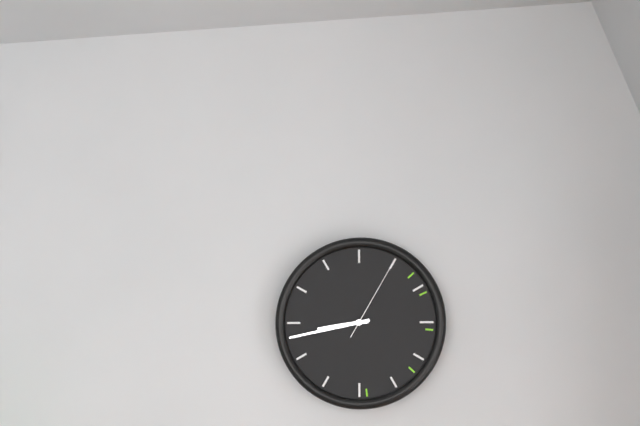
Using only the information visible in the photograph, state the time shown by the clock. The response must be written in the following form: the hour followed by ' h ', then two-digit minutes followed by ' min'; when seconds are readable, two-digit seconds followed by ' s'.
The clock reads 8 h 43 min 05 s
